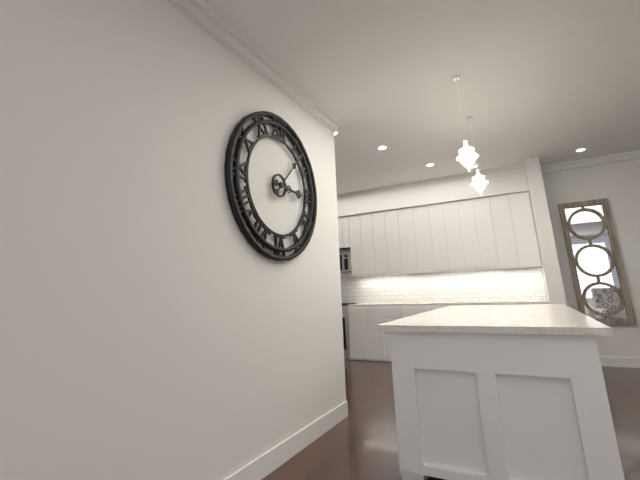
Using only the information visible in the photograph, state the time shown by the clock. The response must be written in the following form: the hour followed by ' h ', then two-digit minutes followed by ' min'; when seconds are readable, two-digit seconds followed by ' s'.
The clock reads 3 h 07 min
